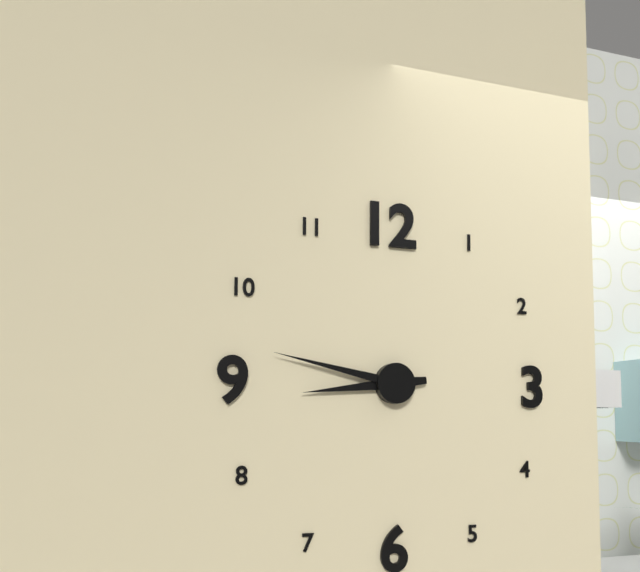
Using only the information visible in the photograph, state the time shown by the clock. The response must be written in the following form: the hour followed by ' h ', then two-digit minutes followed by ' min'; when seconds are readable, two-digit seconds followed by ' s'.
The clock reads 8 h 47 min
